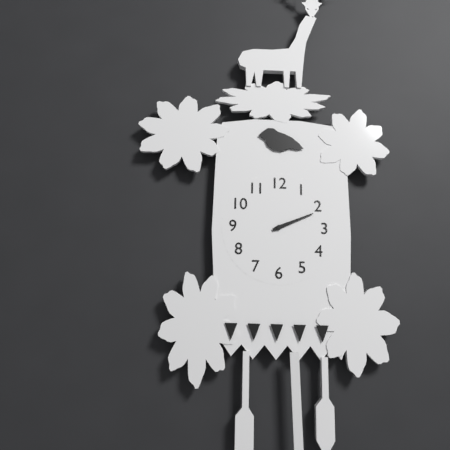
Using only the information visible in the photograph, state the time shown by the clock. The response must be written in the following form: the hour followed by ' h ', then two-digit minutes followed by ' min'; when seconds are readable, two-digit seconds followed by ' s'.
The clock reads 2 h 11 min
